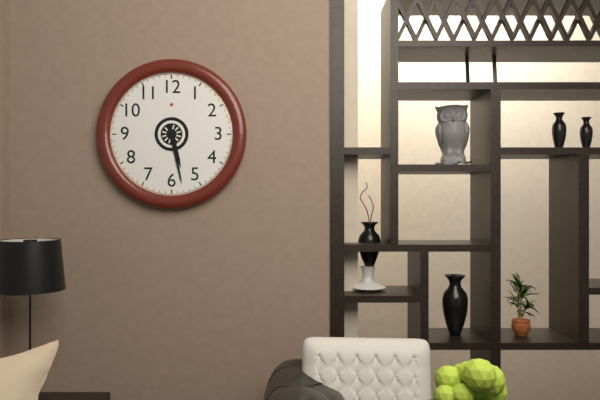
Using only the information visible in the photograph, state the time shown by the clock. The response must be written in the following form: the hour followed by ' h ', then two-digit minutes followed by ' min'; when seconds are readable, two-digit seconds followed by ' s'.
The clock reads 5 h 28 min
